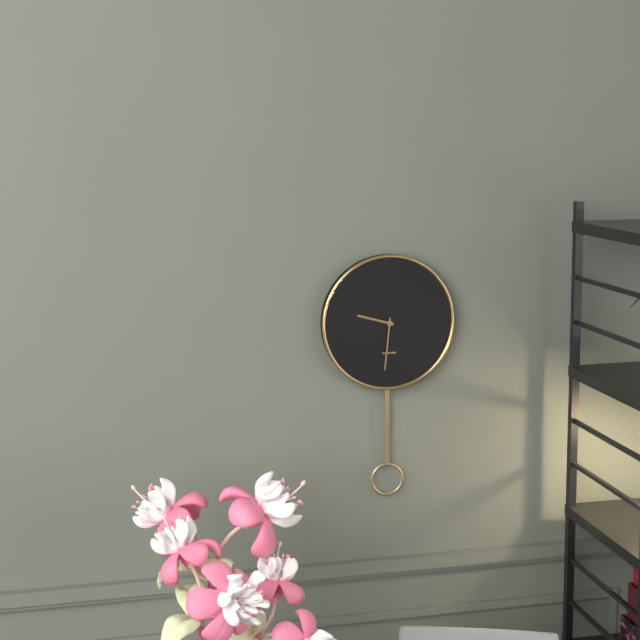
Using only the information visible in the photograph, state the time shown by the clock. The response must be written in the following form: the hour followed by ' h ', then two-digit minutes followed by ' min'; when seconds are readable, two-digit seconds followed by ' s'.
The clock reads 9 h 31 min
